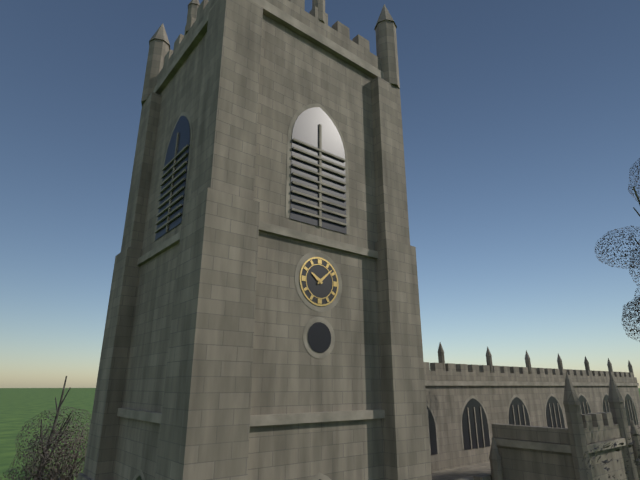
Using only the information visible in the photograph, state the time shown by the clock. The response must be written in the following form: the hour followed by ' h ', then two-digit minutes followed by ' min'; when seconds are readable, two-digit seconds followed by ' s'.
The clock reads 10 h 08 min
